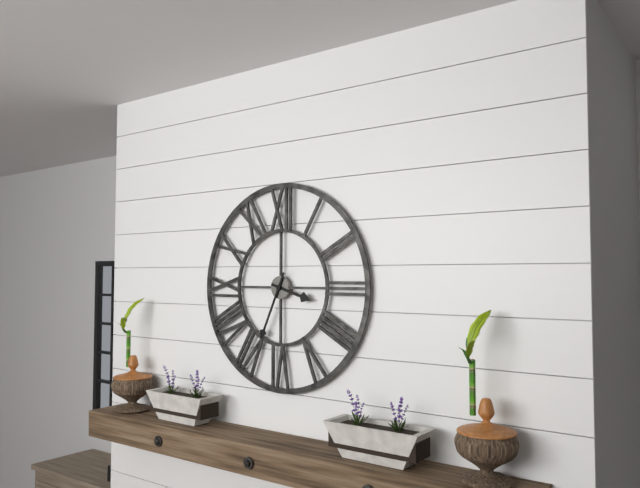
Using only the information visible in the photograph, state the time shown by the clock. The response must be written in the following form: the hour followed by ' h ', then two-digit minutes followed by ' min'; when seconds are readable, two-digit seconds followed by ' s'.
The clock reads 3 h 34 min
